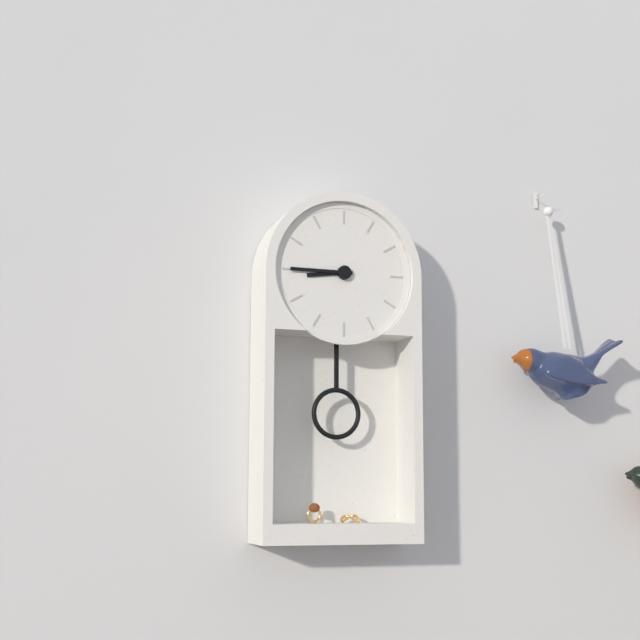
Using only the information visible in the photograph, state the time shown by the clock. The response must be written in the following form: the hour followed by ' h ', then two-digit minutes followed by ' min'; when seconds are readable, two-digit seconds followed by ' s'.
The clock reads 8 h 45 min
